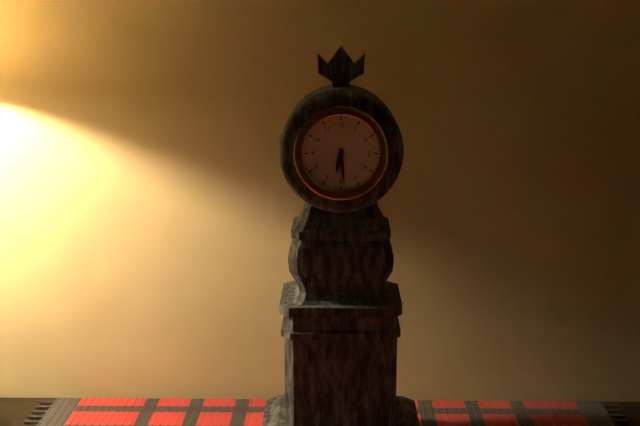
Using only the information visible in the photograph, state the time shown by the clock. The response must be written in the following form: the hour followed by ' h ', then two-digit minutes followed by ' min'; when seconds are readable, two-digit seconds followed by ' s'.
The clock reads 6 h 29 min
